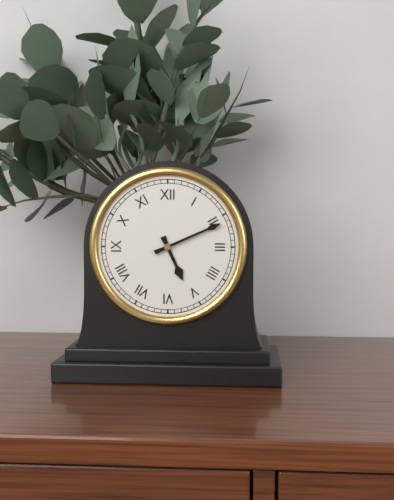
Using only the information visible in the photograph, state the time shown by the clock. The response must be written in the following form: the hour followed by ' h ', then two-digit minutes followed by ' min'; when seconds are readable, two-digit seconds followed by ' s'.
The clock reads 5 h 11 min
